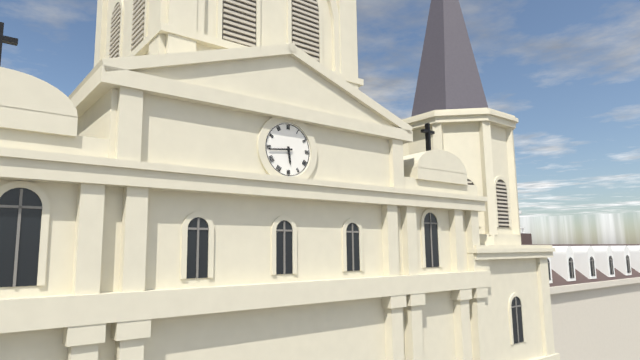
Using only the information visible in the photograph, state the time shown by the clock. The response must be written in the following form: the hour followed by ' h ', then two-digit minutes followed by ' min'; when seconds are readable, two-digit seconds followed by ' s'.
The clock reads 5 h 44 min
